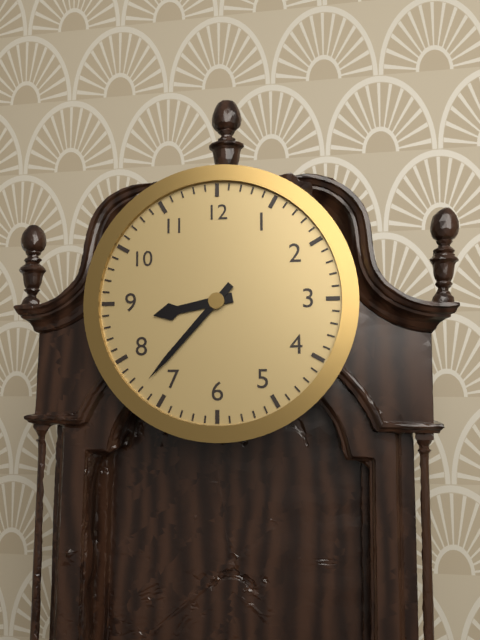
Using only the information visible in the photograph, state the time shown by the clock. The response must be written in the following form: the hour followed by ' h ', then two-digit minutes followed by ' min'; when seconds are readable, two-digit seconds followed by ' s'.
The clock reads 8 h 37 min
